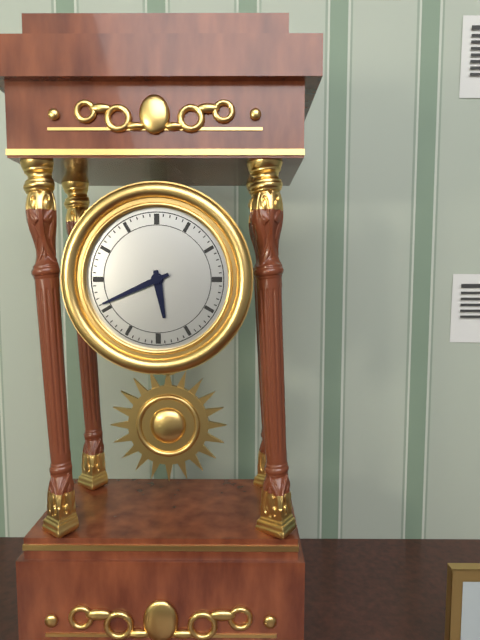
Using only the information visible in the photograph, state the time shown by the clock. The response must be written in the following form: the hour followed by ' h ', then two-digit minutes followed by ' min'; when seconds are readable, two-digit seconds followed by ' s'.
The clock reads 5 h 41 min
